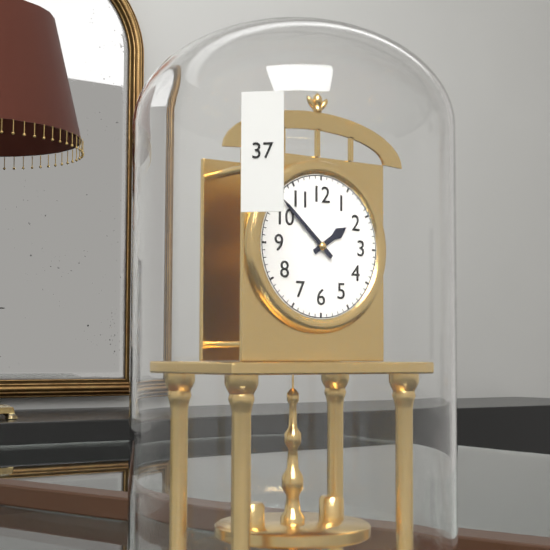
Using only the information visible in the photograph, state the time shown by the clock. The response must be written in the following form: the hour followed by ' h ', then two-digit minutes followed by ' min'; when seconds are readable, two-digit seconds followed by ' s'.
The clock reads 1 h 52 min
